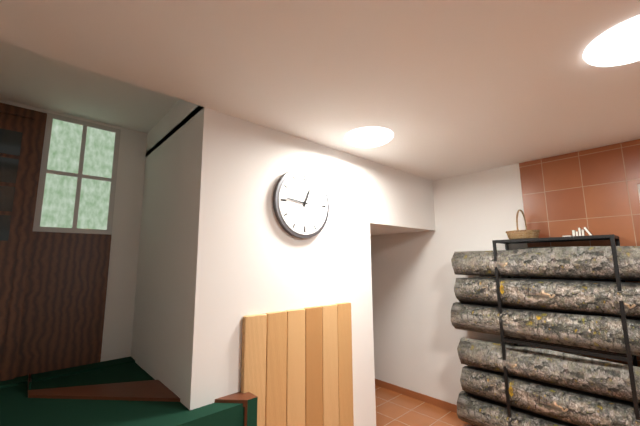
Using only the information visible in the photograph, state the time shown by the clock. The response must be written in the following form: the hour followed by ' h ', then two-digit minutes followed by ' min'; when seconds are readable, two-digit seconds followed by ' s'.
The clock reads 12 h 46 min
